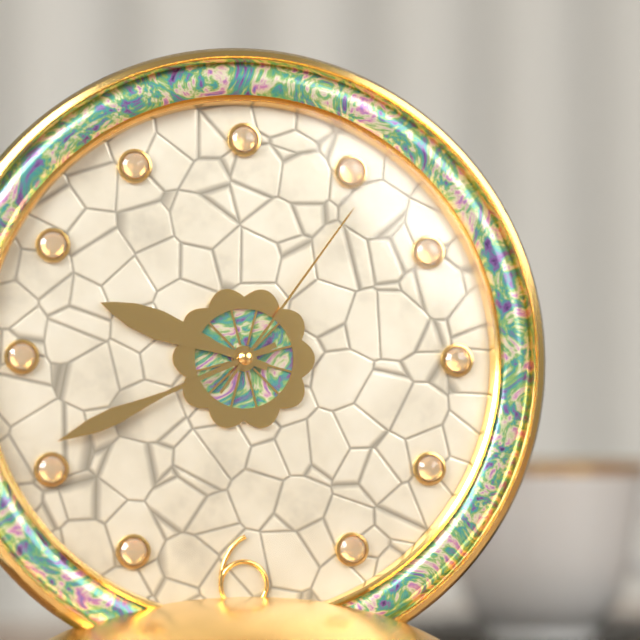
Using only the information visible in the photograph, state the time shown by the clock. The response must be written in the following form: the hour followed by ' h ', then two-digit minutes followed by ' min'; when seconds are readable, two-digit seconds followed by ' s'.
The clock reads 9 h 41 min 06 s
